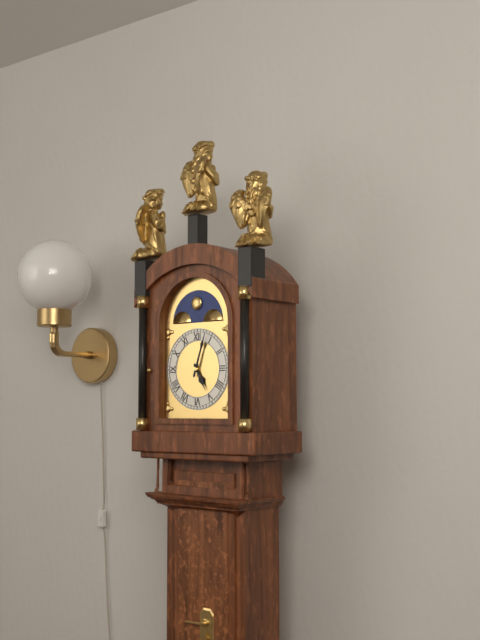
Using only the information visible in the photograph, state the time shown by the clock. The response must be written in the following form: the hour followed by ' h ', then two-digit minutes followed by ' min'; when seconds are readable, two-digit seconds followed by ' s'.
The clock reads 5 h 03 min
